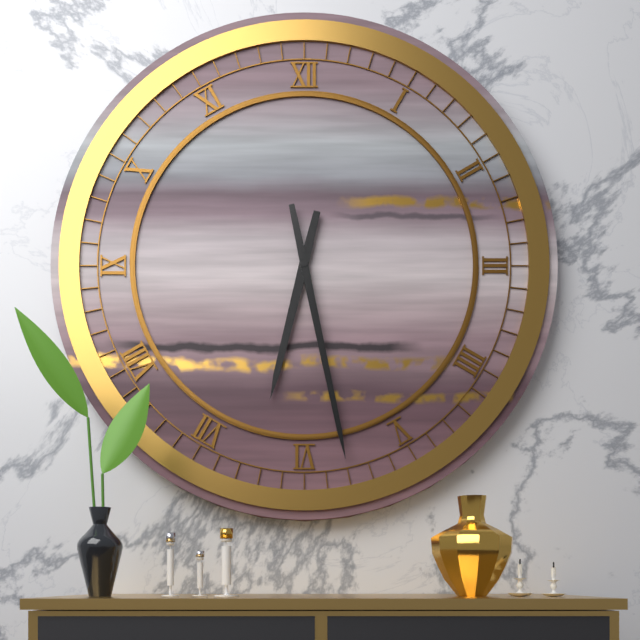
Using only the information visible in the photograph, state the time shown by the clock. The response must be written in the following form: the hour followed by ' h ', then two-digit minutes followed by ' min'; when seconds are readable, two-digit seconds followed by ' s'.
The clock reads 6 h 28 min
